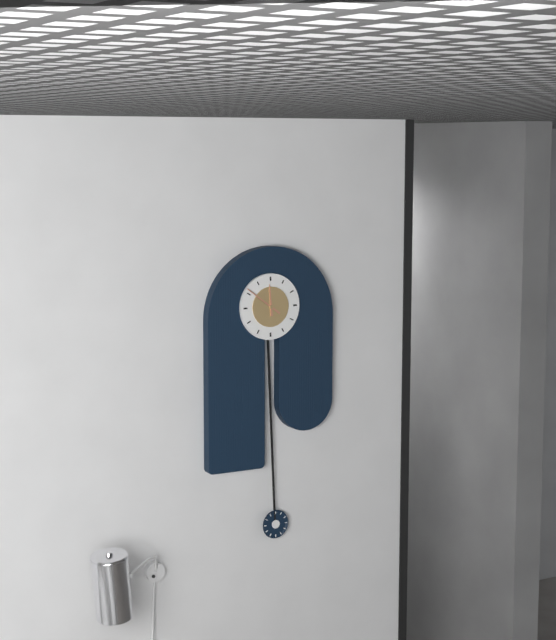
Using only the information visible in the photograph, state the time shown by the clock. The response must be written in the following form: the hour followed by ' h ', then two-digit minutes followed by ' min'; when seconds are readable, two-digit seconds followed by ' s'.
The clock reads 11 h 51 min
